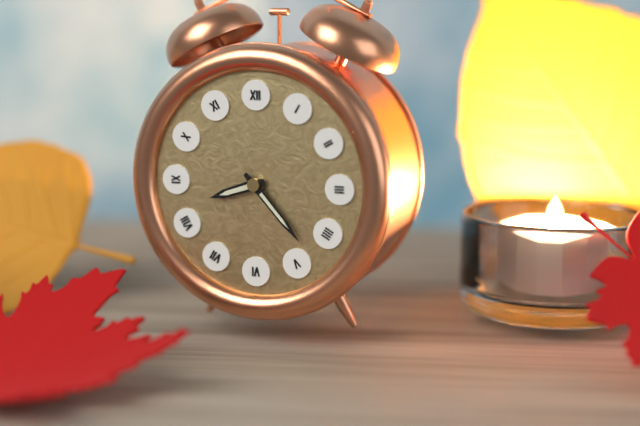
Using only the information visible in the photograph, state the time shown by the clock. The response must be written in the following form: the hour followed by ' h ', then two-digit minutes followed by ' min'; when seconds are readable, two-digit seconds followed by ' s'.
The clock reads 8 h 23 min
